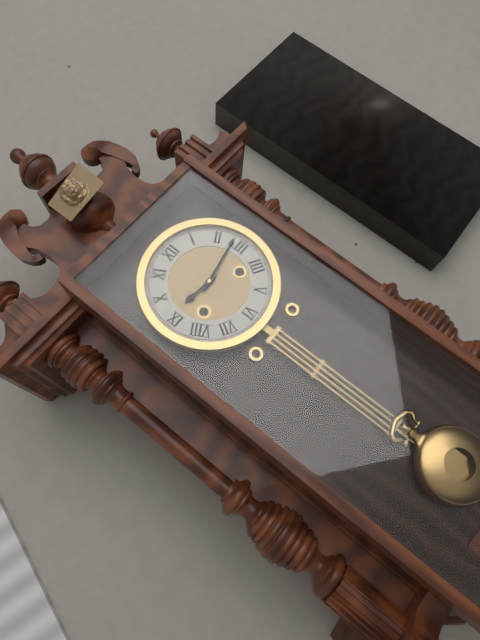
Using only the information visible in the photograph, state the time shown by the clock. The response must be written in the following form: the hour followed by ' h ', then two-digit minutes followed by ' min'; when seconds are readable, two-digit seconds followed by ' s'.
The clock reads 9 h 13 min
